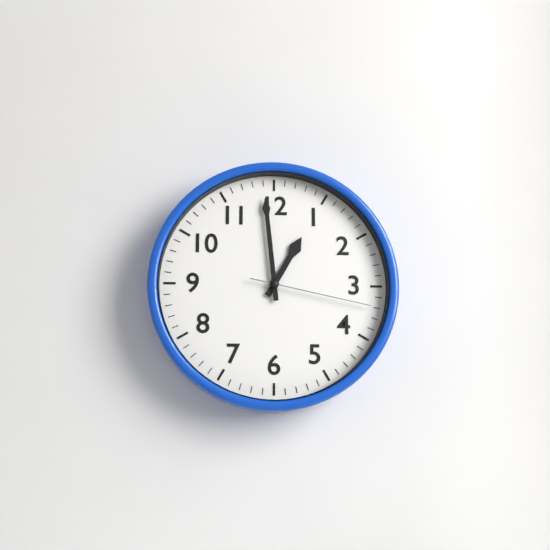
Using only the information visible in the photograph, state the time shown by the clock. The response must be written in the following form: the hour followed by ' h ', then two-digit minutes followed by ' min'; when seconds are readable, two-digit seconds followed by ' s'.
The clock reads 12 h 59 min 17 s
